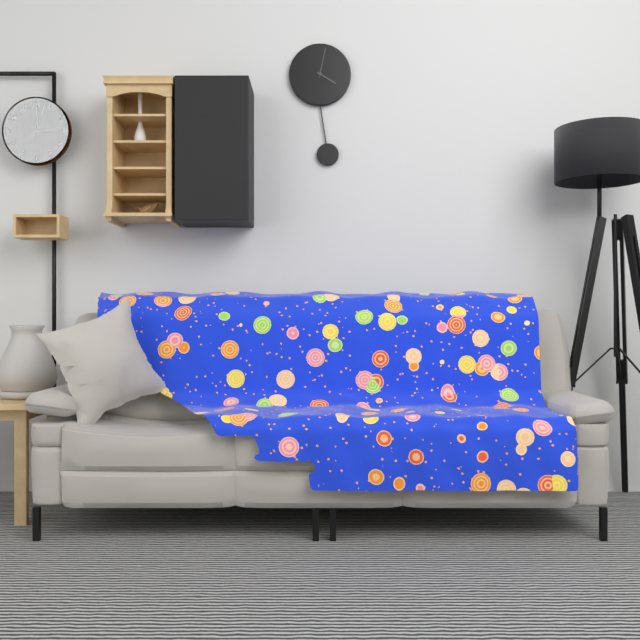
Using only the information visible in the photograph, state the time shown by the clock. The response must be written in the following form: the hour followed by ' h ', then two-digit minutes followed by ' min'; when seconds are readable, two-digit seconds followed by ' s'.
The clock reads 4 h 02 min
